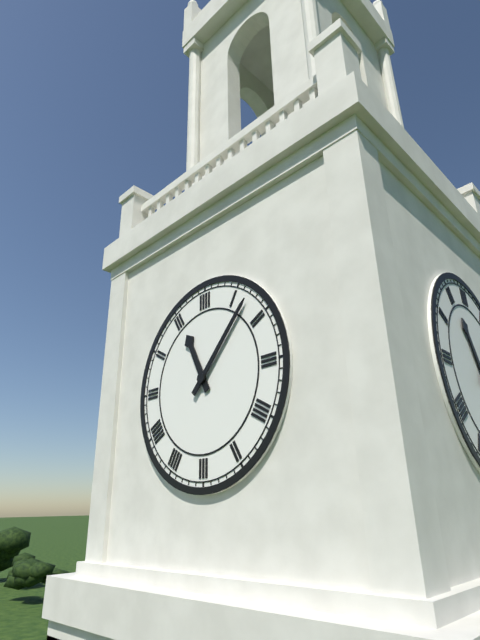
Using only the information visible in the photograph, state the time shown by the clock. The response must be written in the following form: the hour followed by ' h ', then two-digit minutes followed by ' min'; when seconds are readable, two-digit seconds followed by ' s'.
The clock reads 11 h 07 min
